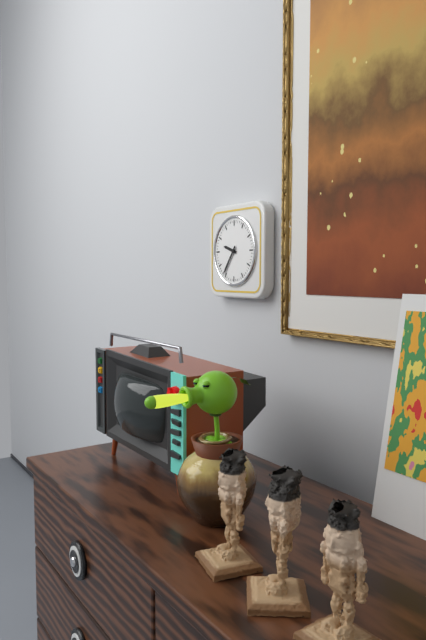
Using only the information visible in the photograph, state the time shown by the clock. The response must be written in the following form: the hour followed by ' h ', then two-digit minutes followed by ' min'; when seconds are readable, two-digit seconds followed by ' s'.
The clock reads 9 h 36 min
